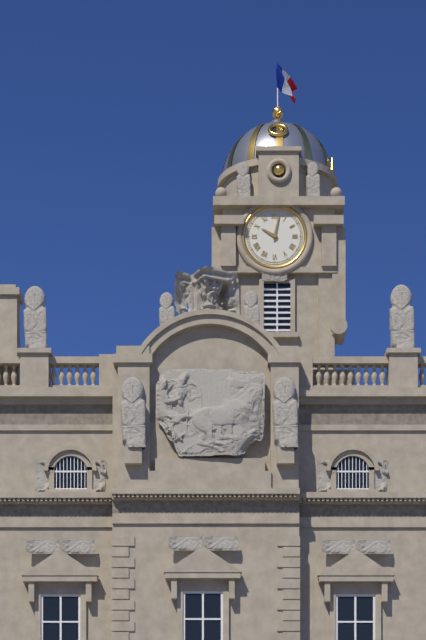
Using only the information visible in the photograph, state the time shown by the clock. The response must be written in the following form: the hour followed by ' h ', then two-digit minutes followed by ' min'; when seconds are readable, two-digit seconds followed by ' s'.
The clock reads 10 h 02 min
